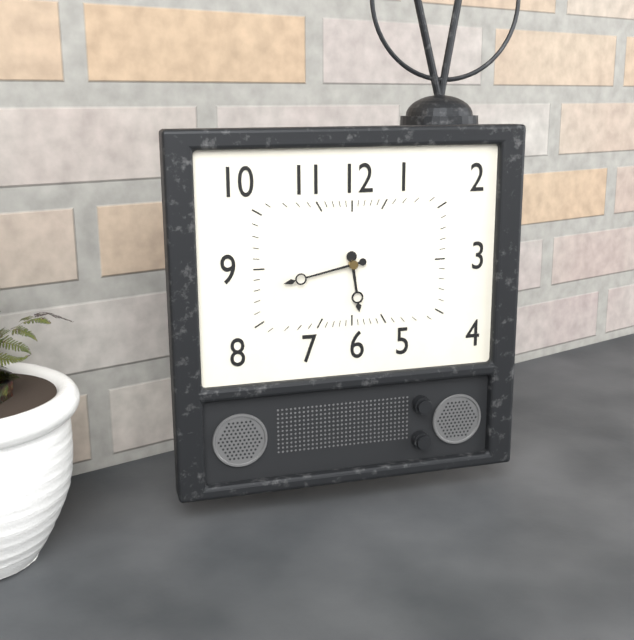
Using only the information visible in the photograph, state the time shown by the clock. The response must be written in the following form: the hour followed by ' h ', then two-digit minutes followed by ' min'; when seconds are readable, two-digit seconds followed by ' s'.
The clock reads 5 h 43 min
